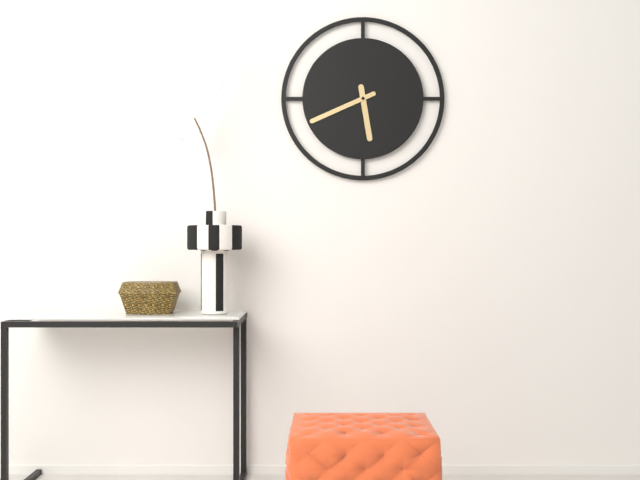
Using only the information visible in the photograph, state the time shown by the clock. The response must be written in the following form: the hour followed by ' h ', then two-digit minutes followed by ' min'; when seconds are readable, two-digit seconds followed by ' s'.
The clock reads 5 h 41 min
